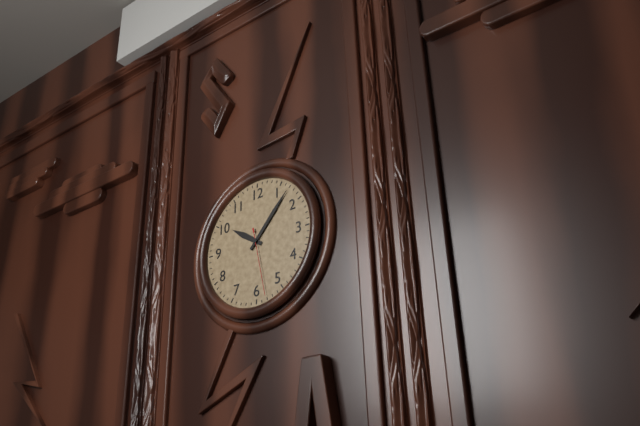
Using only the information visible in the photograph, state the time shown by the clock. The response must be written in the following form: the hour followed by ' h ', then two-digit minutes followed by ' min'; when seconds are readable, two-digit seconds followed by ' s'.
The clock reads 10 h 07 min 28 s
